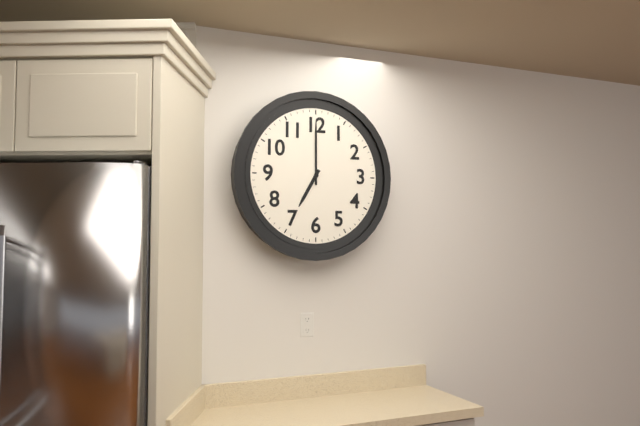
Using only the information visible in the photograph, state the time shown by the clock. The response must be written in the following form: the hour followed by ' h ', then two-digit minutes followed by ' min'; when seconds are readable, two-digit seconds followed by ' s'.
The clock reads 7 h 00 min
